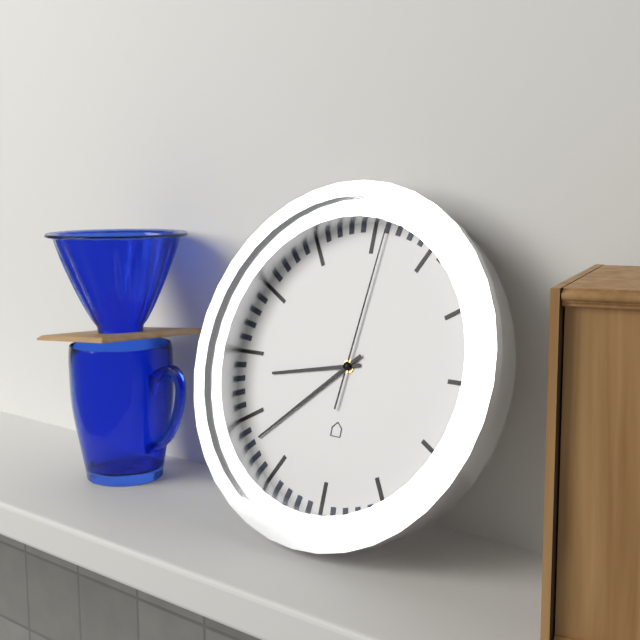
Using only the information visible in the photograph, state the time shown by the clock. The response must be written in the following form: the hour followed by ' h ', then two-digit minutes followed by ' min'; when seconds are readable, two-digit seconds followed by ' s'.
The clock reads 8 h 38 min 01 s
